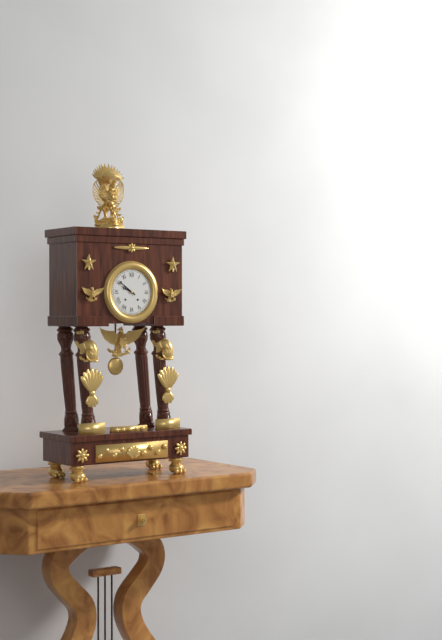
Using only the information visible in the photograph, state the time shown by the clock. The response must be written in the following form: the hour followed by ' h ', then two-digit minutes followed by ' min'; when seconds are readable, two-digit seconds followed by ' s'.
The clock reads 9 h 51 min
